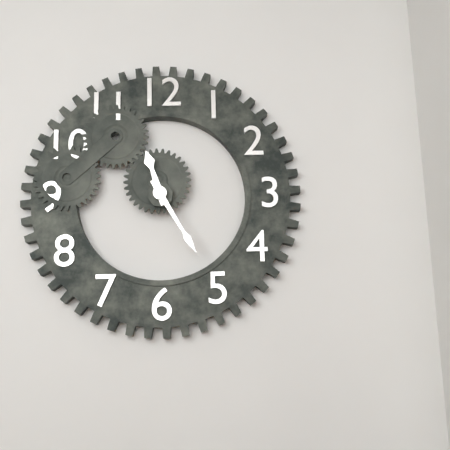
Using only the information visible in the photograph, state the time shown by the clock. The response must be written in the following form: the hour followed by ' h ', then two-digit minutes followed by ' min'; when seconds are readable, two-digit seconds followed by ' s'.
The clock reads 11 h 25 min
